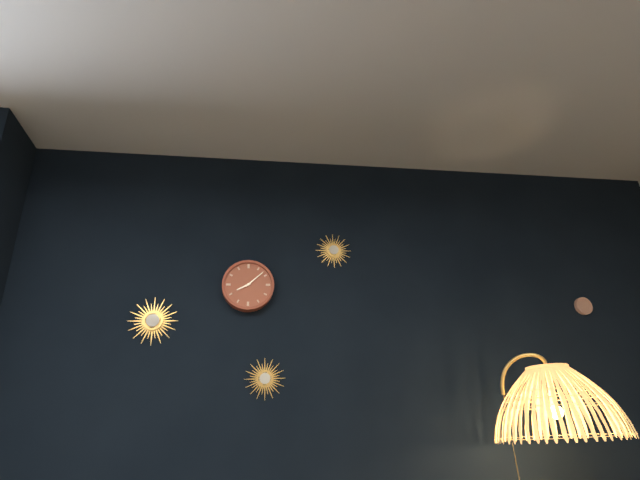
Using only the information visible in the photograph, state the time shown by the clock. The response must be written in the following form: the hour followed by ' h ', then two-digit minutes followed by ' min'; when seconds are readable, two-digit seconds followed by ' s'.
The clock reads 8 h 08 min
